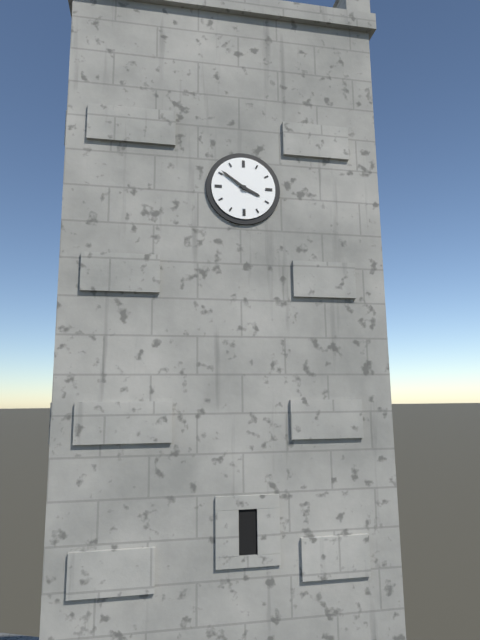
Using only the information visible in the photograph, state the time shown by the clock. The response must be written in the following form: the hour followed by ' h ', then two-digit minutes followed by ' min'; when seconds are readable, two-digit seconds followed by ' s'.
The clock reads 3 h 51 min
